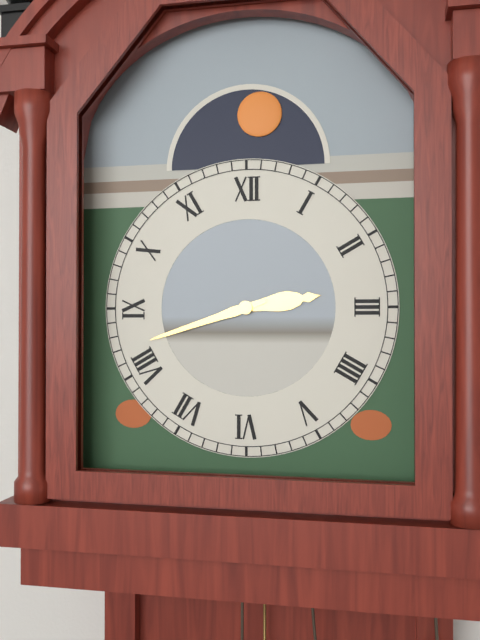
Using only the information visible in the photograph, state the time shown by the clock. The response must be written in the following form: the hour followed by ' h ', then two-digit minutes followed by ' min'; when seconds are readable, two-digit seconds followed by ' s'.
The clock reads 2 h 42 min
